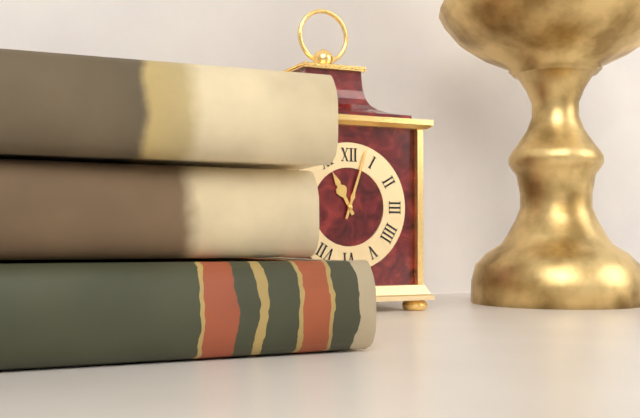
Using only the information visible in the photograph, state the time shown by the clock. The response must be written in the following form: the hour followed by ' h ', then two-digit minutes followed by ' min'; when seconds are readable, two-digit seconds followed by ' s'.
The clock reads 11 h 03 min
